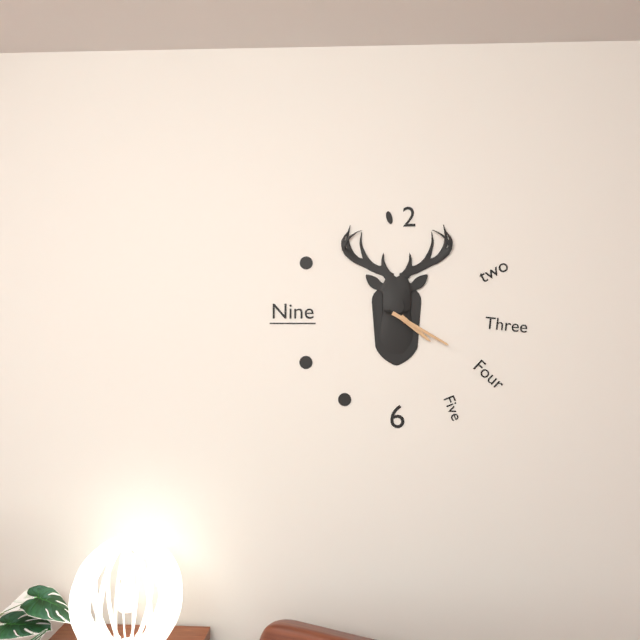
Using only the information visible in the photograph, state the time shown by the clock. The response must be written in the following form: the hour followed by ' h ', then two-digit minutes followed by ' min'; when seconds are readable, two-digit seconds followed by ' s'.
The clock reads 4 h 20 min
